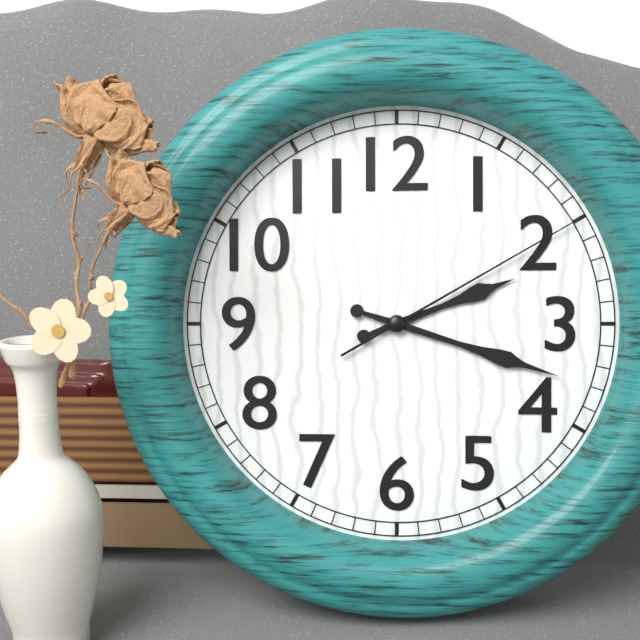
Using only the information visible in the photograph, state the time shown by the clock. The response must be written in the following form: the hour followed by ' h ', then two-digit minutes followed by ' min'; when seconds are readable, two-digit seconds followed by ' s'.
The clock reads 2 h 18 min 10 s
